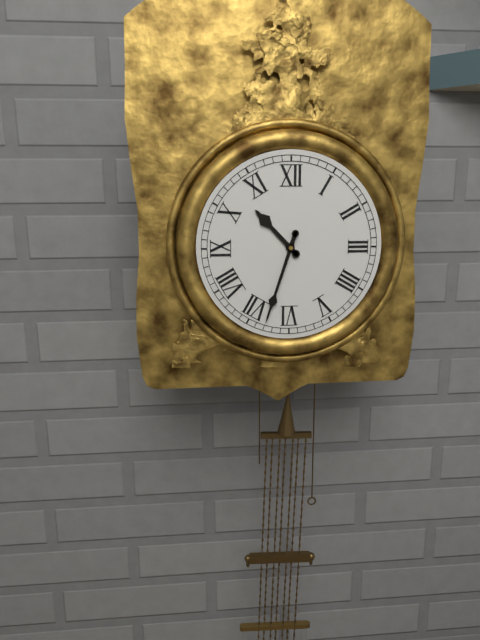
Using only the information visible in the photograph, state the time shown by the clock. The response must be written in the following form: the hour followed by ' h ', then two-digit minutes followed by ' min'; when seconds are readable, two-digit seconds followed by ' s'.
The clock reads 10 h 33 min
